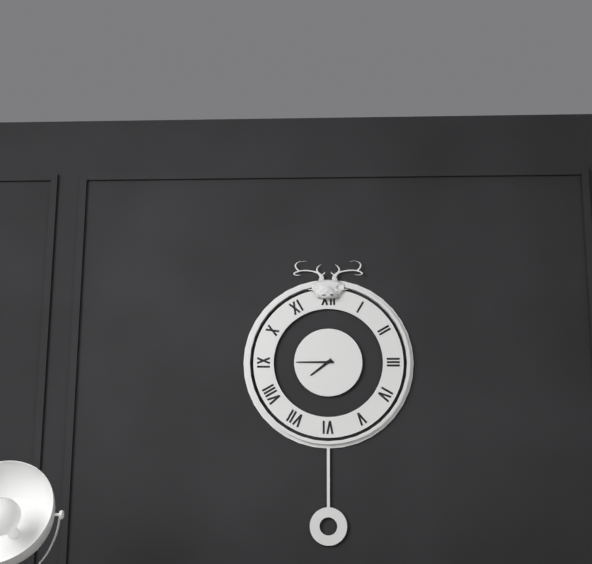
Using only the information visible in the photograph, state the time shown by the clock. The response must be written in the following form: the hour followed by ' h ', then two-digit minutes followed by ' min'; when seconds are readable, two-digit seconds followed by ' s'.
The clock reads 7 h 45 min
